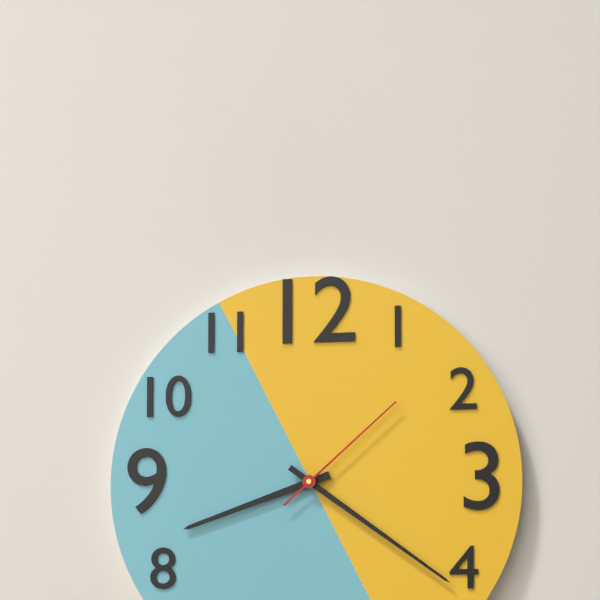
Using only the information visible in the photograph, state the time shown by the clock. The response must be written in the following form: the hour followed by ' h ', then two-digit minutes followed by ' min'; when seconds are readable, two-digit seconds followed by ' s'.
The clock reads 8 h 21 min 08 s
